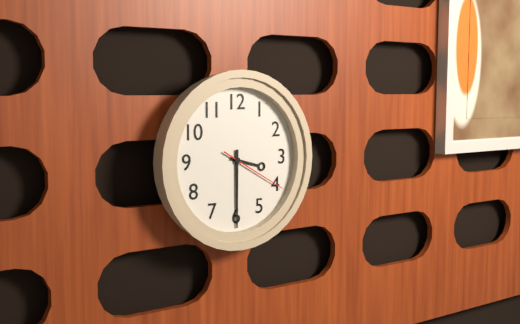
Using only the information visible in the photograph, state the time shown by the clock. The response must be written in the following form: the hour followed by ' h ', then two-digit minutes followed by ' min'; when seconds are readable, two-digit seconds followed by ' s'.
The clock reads 3 h 30 min 20 s
